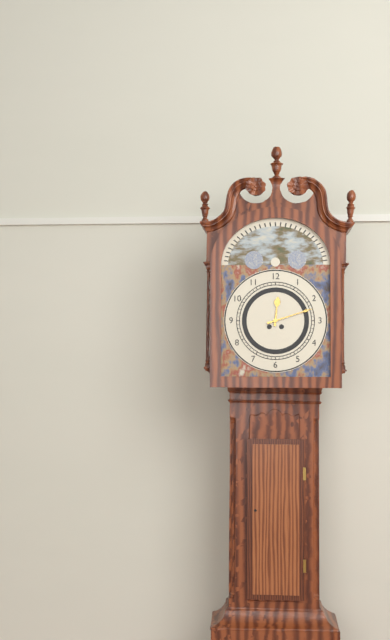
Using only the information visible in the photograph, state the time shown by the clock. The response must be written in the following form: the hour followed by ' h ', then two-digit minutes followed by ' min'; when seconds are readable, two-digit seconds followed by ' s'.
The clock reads 12 h 12 min
